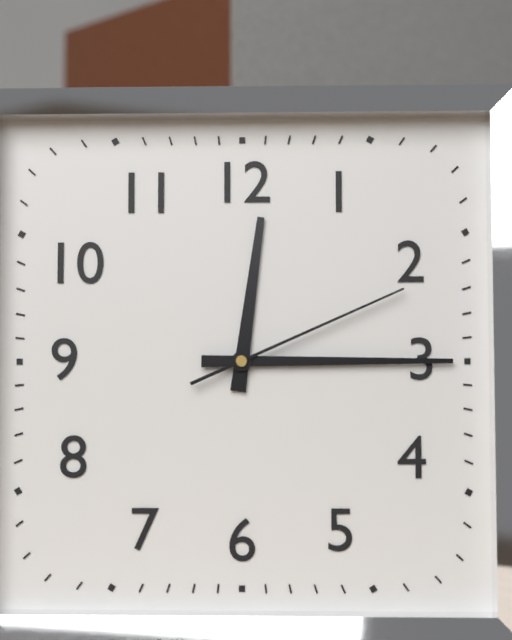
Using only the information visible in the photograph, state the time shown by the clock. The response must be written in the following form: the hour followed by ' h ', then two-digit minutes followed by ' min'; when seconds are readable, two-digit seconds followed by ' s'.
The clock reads 12 h 15 min 11 s
